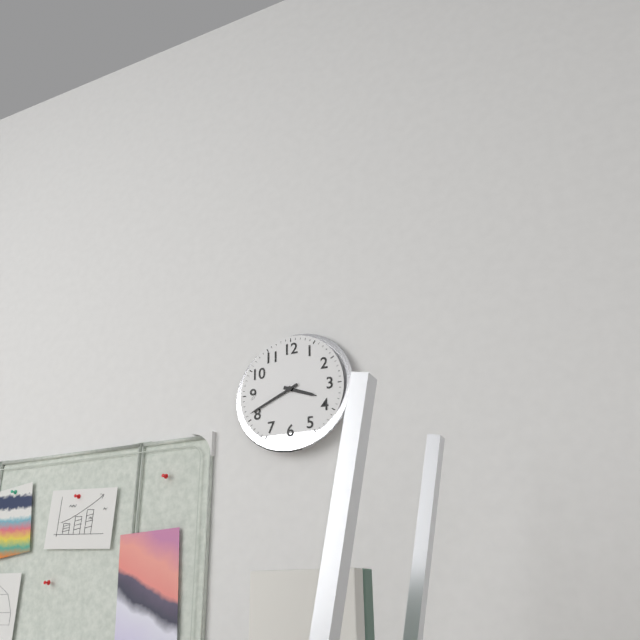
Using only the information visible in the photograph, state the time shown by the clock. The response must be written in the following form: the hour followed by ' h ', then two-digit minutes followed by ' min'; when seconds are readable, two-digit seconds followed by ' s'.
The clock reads 3 h 41 min
